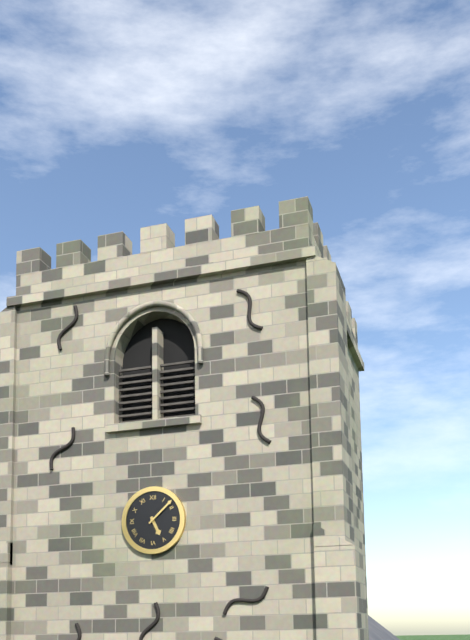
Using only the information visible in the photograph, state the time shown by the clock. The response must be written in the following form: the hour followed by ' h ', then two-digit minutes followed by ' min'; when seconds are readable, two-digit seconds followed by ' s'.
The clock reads 5 h 08 min
